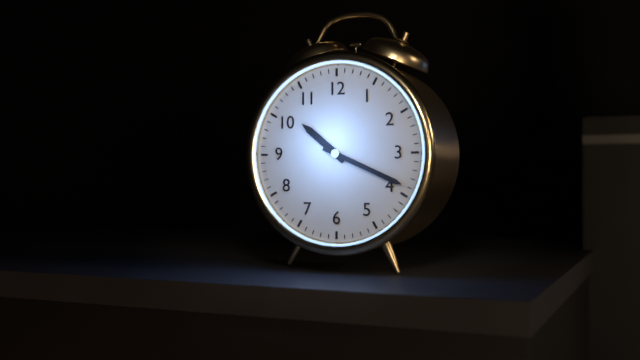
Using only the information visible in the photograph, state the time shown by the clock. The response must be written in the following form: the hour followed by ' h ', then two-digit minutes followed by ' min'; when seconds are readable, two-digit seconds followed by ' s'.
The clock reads 10 h 19 min
